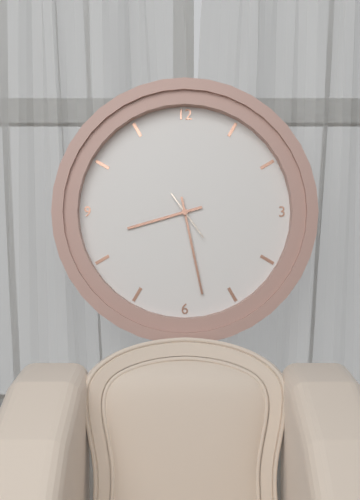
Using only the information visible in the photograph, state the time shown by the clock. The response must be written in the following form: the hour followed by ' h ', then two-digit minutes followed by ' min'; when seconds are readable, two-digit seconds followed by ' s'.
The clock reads 8 h 28 min
